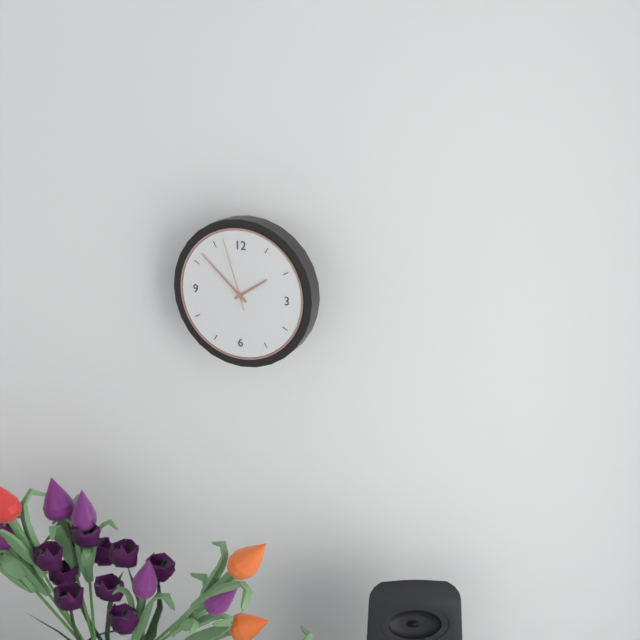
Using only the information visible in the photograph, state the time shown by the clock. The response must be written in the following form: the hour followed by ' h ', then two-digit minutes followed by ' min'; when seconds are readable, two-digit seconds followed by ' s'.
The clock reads 1 h 52 min 57 s
